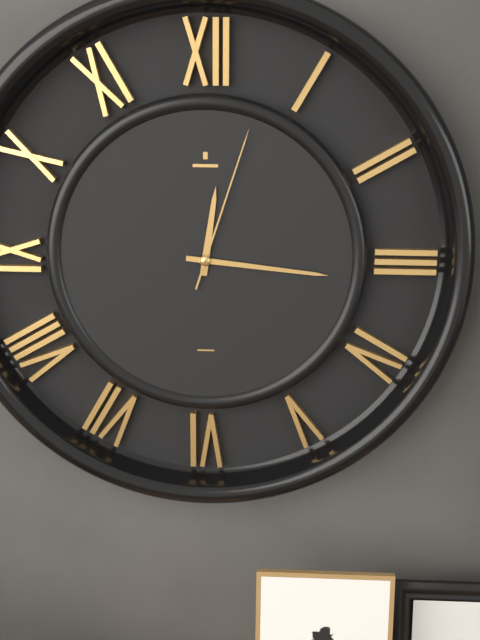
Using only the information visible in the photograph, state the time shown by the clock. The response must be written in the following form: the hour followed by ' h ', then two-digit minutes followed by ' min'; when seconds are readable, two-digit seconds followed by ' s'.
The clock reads 12 h 16 min 03 s
